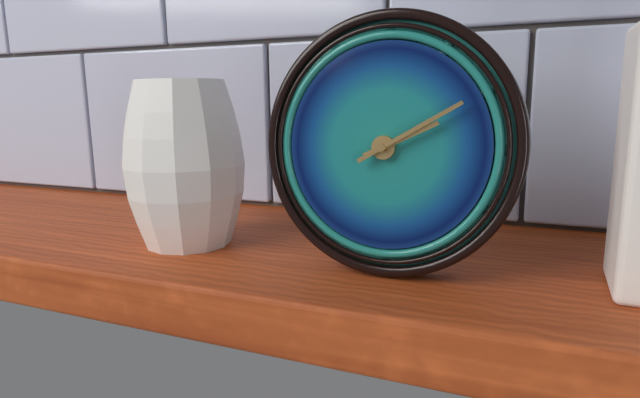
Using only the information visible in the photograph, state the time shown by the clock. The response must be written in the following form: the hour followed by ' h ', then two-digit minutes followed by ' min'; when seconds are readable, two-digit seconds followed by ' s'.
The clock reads 2 h 10 min
